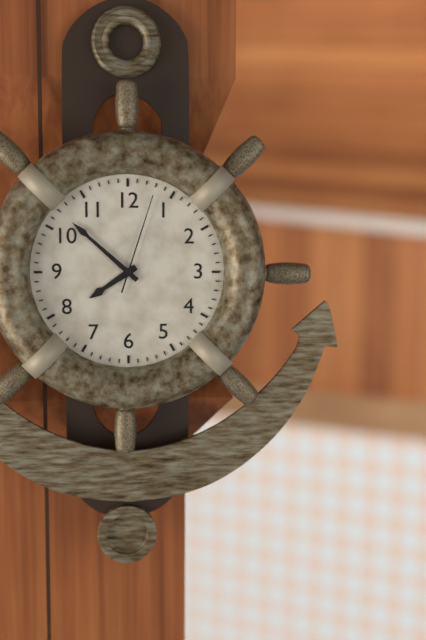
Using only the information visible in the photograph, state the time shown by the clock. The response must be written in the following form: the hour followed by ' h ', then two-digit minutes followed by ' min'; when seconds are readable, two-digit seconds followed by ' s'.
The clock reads 7 h 52 min 03 s
